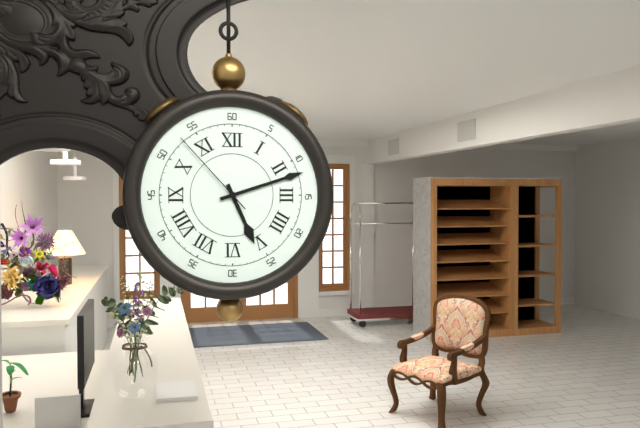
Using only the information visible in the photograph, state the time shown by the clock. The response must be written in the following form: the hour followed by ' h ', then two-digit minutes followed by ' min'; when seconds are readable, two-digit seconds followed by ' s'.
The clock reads 5 h 12 min 53 s
